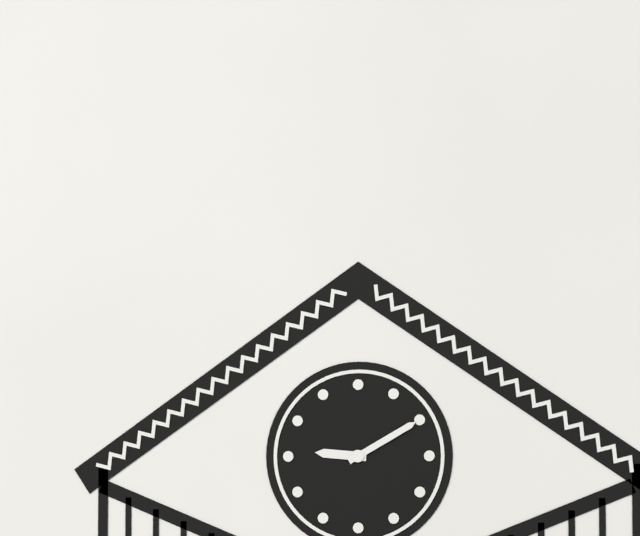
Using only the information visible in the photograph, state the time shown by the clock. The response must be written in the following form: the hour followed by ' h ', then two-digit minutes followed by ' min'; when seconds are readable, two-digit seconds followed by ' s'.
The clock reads 9 h 10 min
